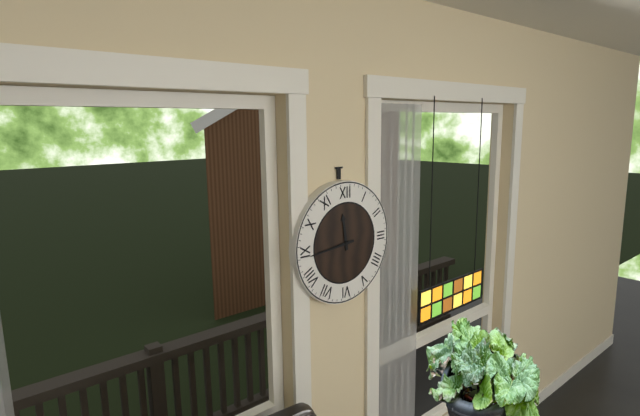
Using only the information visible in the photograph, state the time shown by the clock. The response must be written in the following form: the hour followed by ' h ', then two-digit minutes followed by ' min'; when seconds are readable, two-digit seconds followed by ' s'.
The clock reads 11 h 44 min
